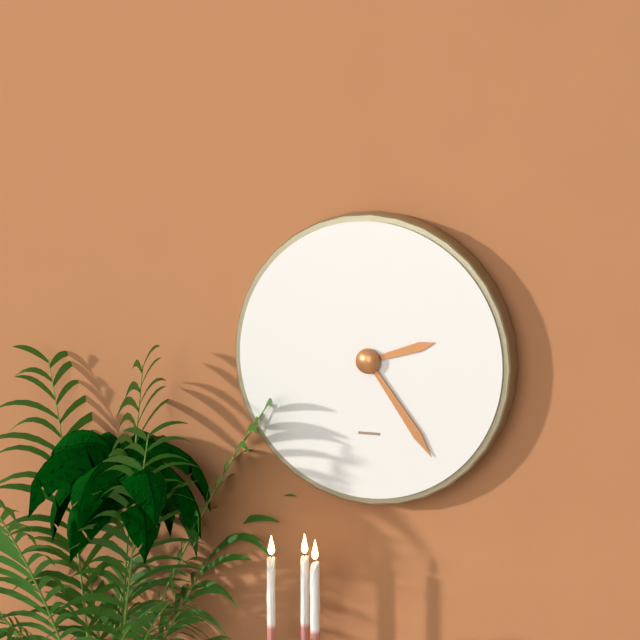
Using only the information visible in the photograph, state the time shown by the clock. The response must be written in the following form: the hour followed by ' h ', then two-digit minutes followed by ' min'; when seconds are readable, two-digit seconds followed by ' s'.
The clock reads 2 h 24 min
